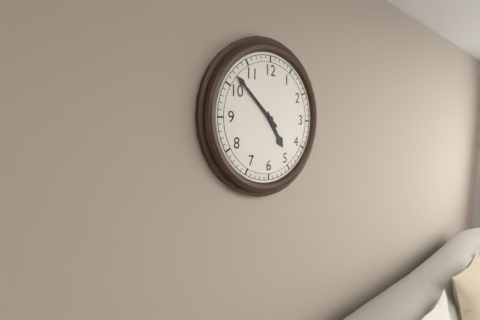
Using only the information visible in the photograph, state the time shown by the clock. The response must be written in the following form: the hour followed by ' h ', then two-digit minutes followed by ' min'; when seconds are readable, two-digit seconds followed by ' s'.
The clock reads 4 h 52 min
